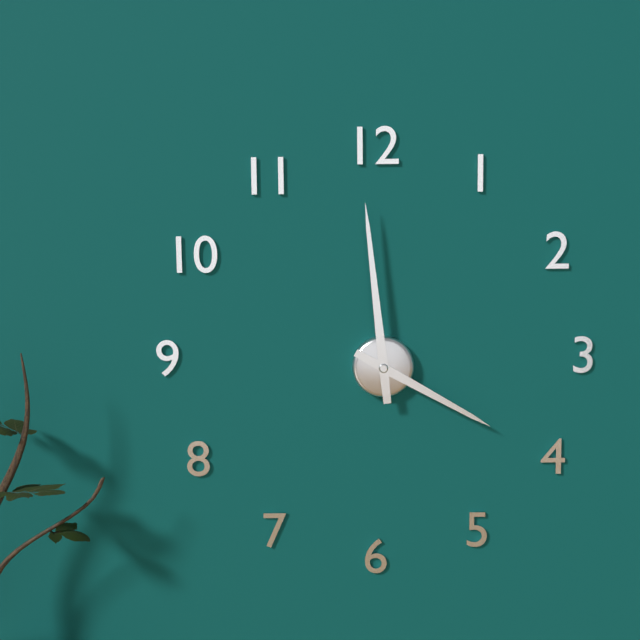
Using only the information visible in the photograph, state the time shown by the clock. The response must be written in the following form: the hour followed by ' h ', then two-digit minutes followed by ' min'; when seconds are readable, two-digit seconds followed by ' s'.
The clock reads 3 h 59 min
